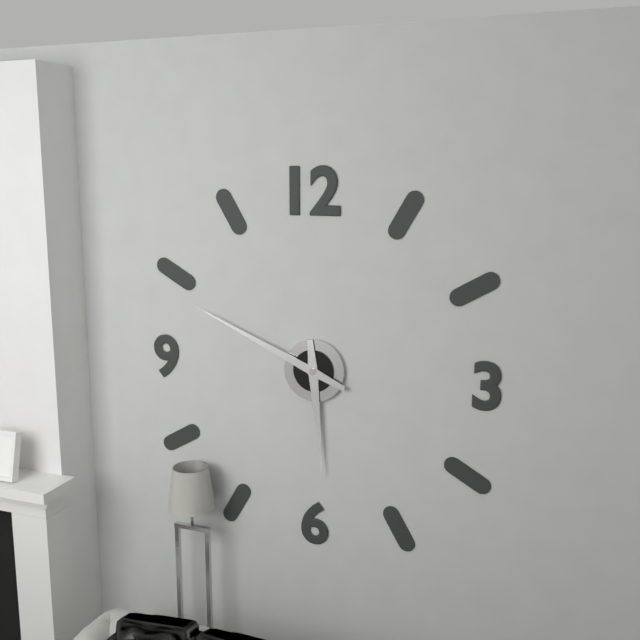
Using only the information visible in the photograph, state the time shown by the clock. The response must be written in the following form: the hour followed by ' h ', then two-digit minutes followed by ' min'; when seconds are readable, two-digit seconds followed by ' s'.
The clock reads 5 h 49 min
